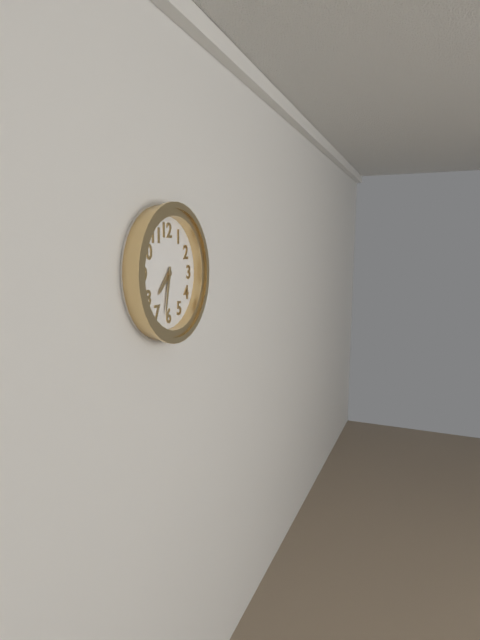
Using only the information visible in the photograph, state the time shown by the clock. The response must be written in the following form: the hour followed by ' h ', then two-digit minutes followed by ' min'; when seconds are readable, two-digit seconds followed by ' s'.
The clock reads 7 h 32 min
